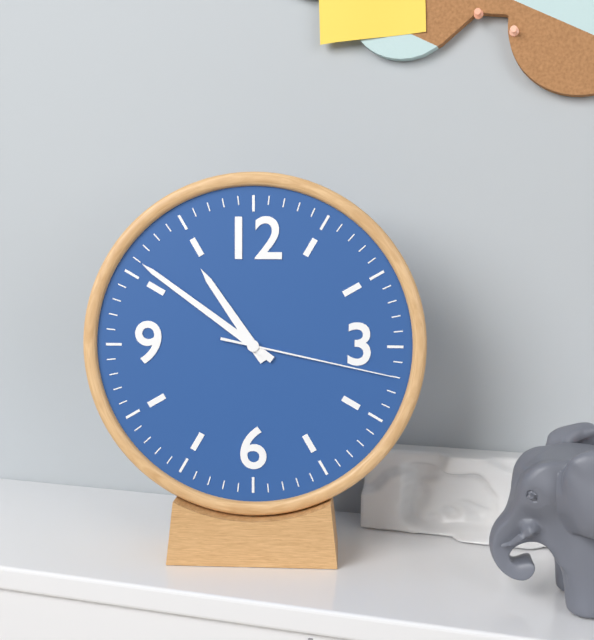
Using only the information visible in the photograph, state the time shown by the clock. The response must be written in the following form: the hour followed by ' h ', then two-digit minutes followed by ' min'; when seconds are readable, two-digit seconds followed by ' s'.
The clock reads 10 h 51 min 17 s
